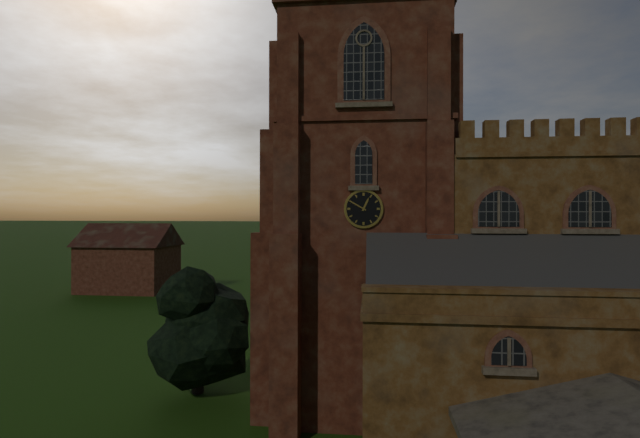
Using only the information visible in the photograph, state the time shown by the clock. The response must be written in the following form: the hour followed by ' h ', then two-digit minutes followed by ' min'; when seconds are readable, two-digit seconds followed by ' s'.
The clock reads 12 h 50 min
